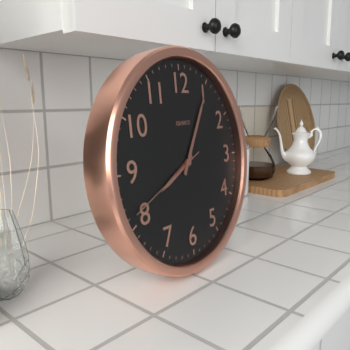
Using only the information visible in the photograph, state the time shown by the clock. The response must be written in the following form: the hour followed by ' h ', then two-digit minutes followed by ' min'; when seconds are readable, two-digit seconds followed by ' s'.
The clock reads 8 h 05 min 41 s
